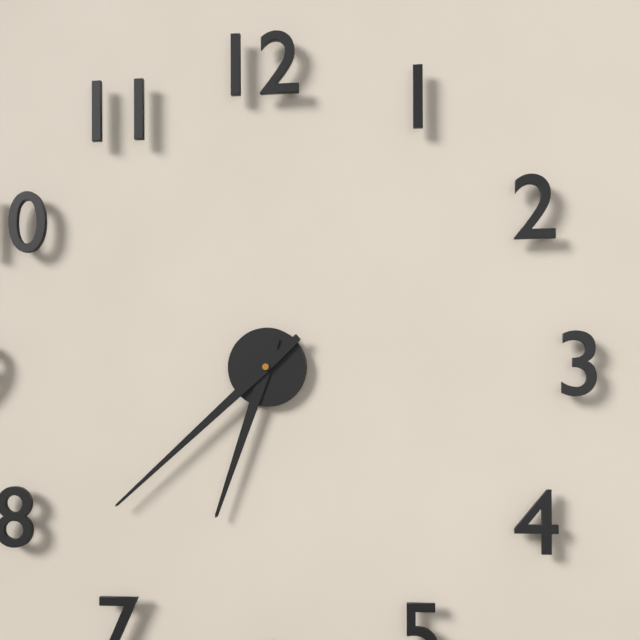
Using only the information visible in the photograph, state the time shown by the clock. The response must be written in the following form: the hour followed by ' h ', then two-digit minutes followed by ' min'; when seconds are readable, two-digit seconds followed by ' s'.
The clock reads 6 h 38 min
